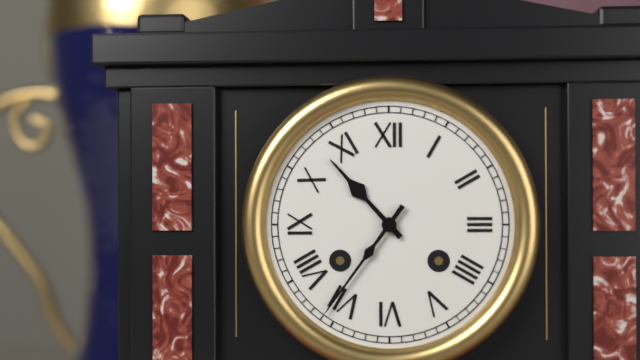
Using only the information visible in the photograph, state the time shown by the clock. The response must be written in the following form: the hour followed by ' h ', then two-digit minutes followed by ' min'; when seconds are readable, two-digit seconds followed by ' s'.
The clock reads 10 h 36 min
